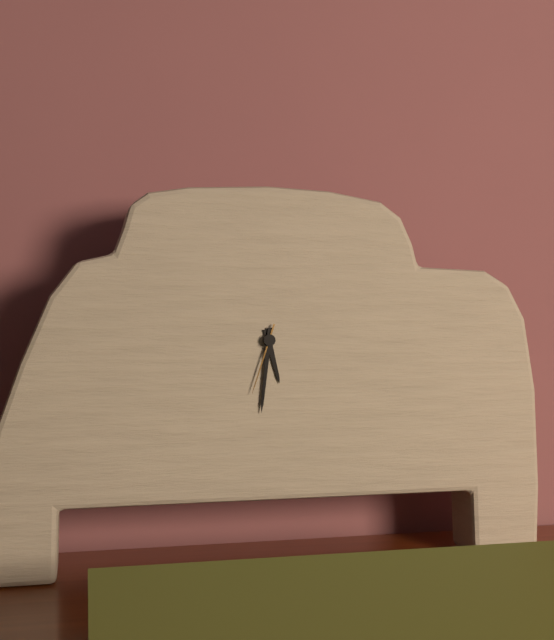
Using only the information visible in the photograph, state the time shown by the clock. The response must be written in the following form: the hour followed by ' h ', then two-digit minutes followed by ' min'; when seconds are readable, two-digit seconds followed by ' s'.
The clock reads 5 h 31 min 33 s
